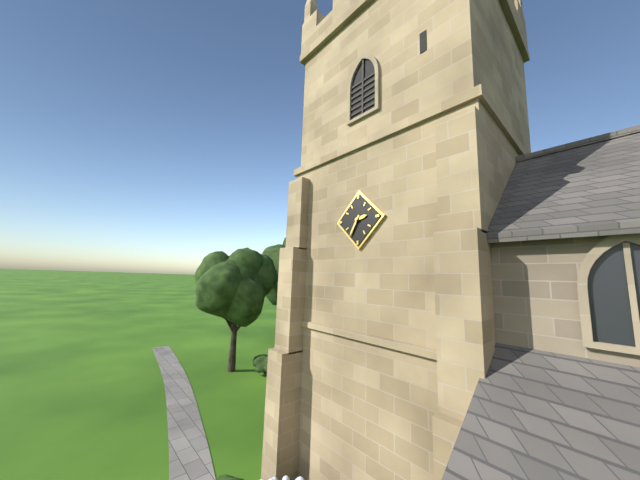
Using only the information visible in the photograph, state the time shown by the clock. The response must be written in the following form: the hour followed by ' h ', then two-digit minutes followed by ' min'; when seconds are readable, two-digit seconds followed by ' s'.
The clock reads 2 h 35 min
